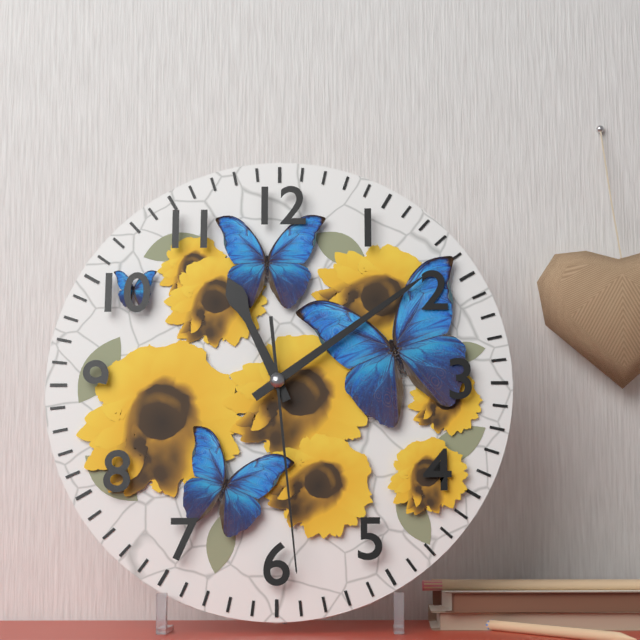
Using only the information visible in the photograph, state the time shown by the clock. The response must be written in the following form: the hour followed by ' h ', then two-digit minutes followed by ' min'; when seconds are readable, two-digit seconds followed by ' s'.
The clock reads 11 h 09 min 29 s
